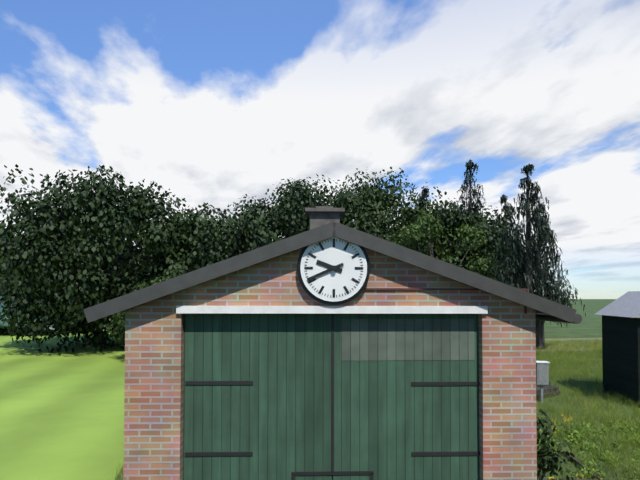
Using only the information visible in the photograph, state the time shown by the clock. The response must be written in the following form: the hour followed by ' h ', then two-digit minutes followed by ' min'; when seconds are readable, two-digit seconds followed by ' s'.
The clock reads 9 h 41 min
